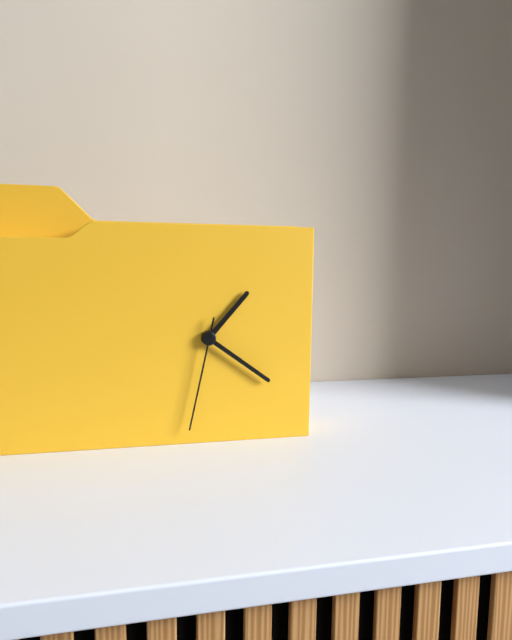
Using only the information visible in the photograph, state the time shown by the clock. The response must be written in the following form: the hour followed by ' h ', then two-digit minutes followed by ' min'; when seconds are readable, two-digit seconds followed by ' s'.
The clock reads 1 h 21 min 32 s
